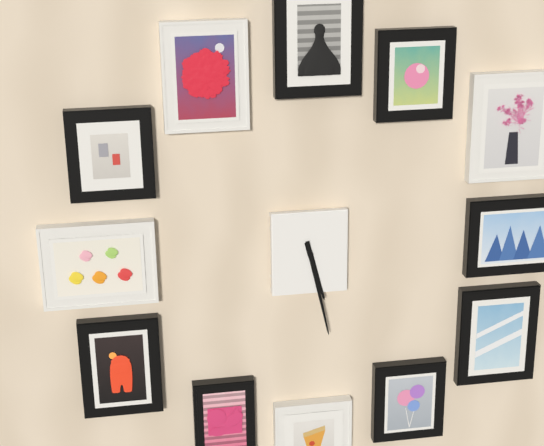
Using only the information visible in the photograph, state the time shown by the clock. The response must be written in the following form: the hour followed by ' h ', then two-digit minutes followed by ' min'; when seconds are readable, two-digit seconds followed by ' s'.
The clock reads 5 h 28 min
